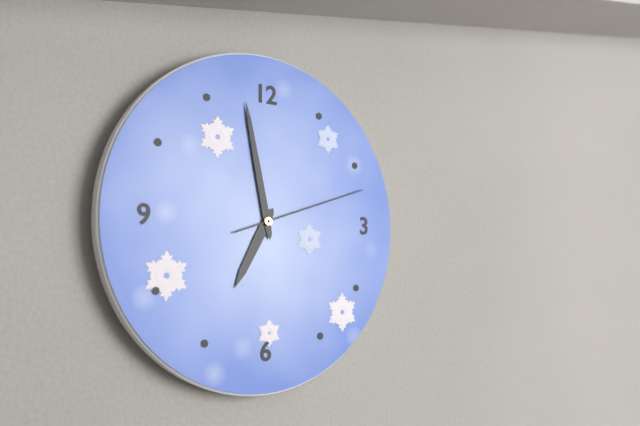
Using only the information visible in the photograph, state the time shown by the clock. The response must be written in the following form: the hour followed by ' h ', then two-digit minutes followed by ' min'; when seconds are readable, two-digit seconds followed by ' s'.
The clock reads 6 h 58 min 12 s
